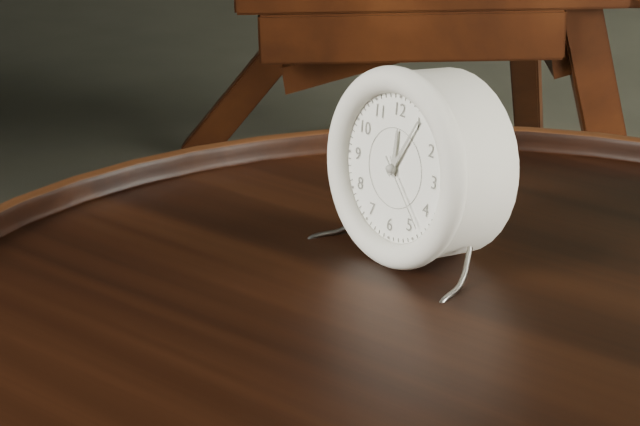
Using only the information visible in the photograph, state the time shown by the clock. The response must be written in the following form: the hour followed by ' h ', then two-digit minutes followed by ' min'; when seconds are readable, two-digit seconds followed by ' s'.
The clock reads 12 h 05 min 23 s
